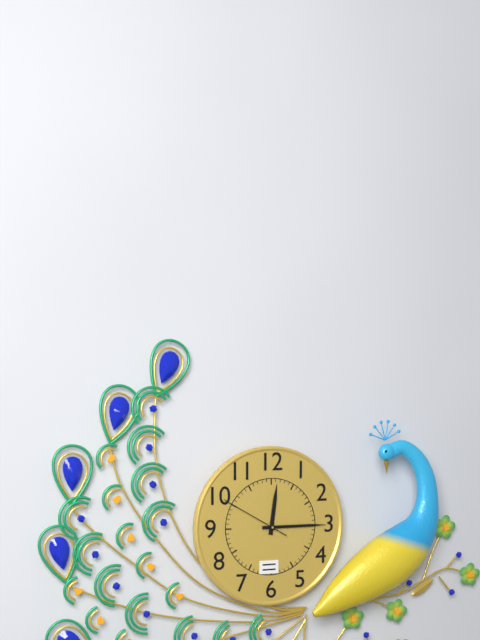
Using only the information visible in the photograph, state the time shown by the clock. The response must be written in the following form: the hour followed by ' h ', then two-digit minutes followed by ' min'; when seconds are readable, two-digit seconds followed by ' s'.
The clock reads 12 h 15 min 50 s
